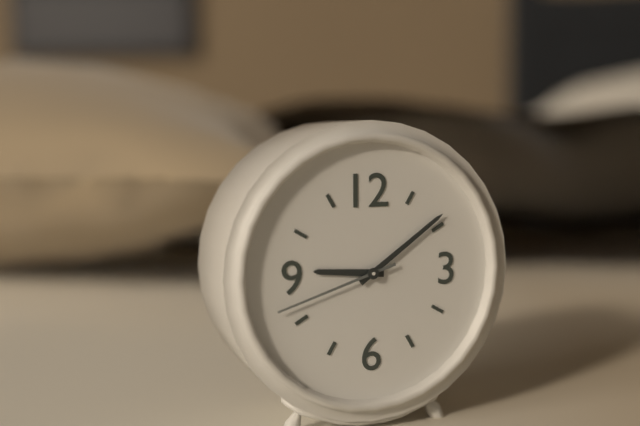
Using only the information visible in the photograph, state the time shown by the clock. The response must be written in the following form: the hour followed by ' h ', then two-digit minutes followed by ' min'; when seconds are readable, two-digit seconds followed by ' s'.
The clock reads 9 h 09 min 42 s
